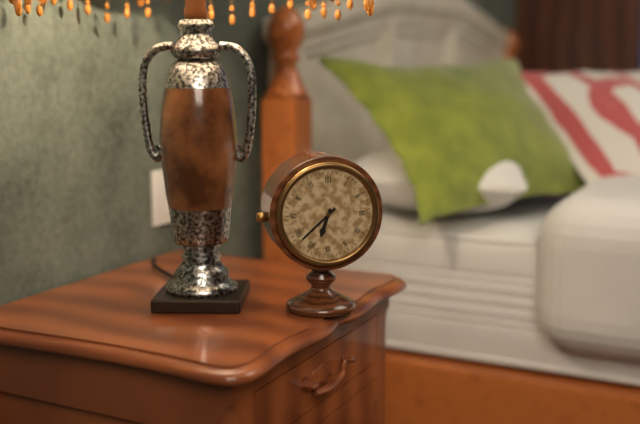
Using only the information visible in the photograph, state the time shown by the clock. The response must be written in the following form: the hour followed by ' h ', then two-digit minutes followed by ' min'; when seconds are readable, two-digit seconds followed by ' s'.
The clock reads 6 h 38 min
